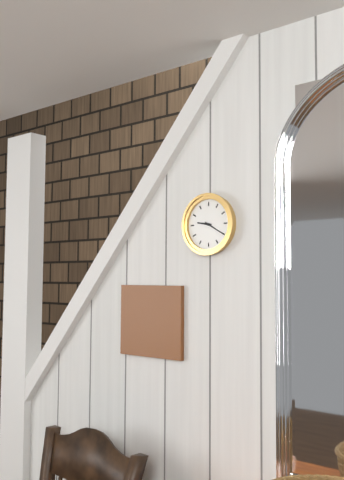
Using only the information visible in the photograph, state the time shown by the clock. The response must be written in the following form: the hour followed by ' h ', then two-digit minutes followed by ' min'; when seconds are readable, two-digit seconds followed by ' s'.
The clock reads 9 h 20 min
